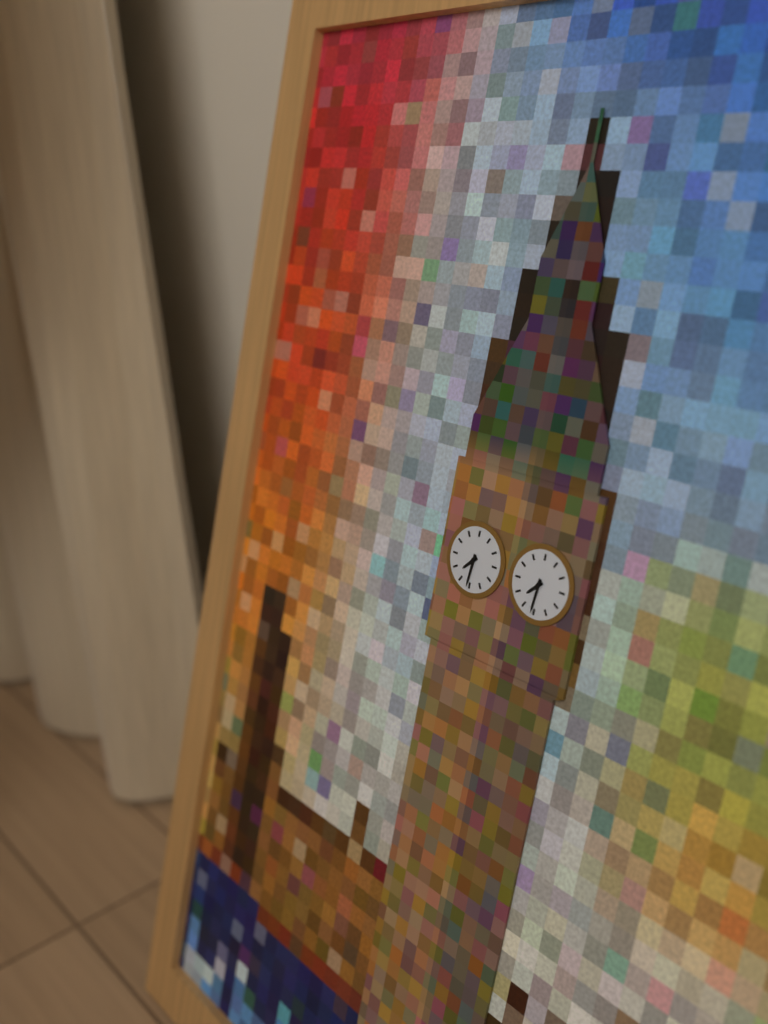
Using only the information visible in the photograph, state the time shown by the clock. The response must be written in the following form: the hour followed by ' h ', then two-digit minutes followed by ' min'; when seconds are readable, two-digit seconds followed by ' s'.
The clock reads 7 h 31 min
